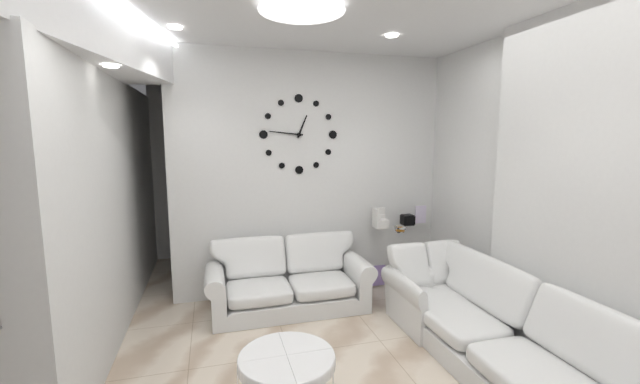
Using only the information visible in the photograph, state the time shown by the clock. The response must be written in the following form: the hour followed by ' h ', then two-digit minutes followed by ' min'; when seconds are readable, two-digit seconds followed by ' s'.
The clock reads 12 h 46 min
